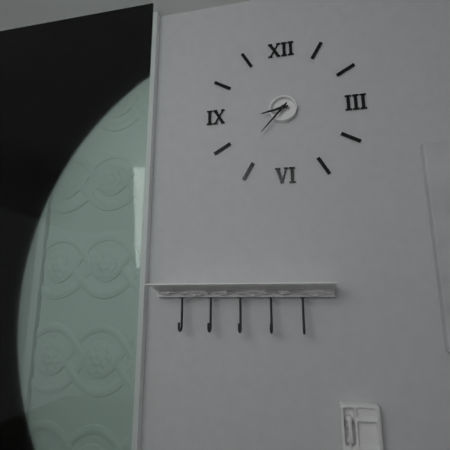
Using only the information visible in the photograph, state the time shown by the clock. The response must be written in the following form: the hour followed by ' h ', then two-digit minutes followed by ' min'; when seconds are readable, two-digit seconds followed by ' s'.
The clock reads 8 h 37 min
